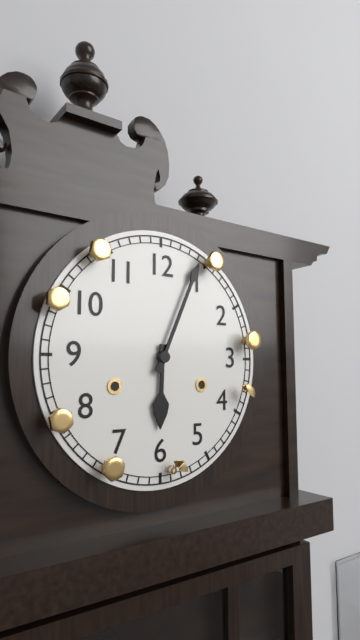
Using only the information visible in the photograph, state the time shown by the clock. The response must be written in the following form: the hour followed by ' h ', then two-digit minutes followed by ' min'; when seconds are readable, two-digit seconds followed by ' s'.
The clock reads 6 h 04 min
